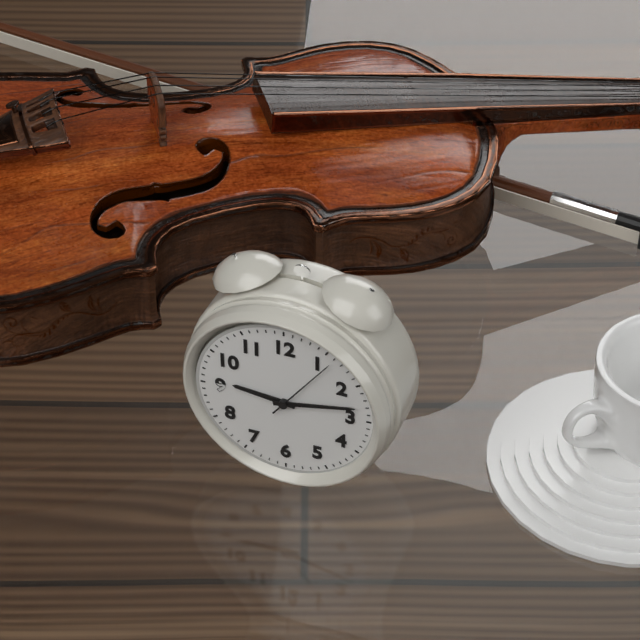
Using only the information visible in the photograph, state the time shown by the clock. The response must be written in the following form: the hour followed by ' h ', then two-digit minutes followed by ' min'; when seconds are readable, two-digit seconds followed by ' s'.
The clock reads 9 h 13 min 06 s
